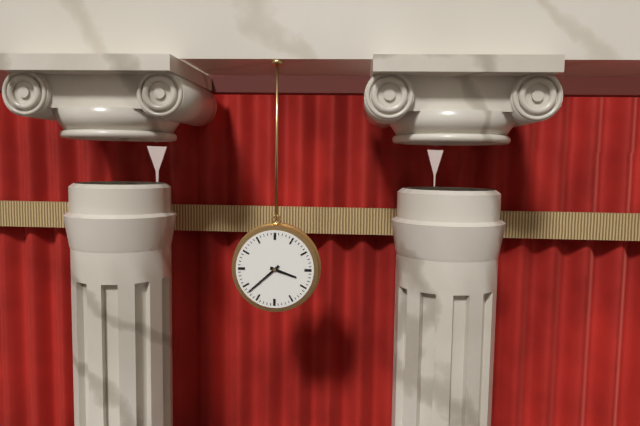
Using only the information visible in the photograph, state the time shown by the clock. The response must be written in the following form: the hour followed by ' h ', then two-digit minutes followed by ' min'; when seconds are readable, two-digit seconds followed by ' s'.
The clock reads 3 h 38 min
